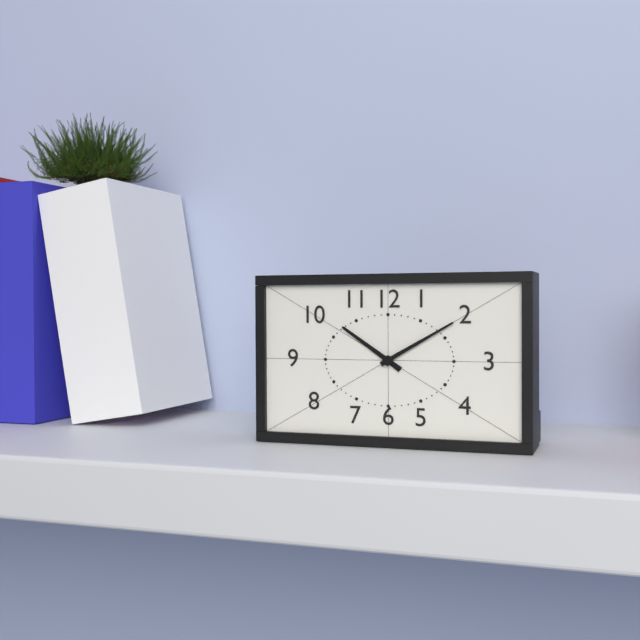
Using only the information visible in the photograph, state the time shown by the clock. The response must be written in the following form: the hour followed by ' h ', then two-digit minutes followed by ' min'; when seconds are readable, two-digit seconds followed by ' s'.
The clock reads 10 h 10 min
